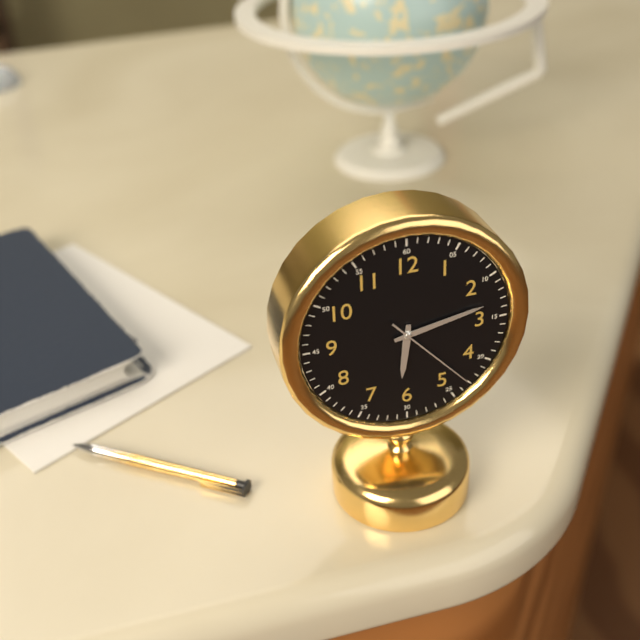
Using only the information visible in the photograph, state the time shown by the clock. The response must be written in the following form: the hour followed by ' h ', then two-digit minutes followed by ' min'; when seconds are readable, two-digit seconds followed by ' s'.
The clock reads 6 h 13 min 23 s
